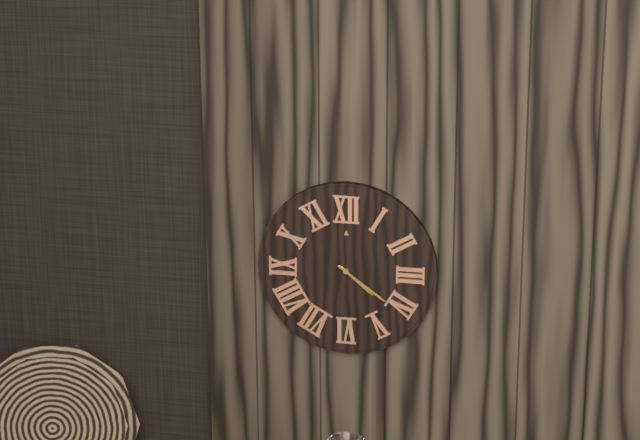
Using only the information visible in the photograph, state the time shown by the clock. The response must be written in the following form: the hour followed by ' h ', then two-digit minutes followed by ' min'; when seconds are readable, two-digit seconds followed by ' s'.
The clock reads 4 h 21 min
